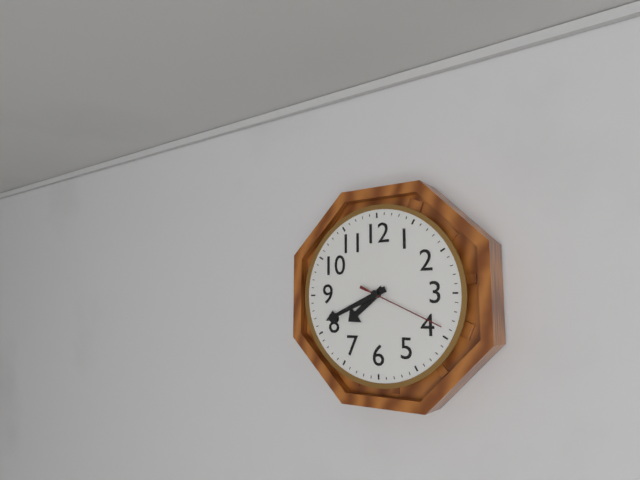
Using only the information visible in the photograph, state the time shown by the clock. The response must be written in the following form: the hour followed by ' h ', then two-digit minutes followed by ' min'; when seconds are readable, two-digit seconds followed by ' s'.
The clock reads 7 h 41 min 19 s
